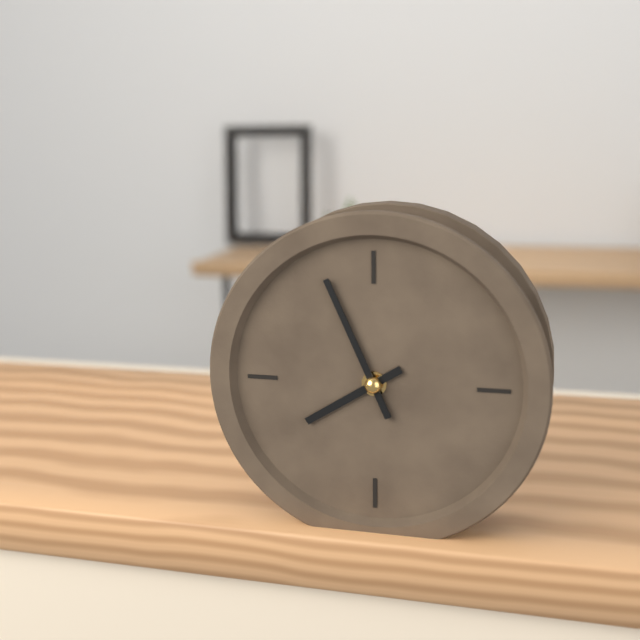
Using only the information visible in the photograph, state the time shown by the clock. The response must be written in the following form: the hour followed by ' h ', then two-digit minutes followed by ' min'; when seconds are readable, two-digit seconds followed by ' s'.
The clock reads 7 h 56 min
